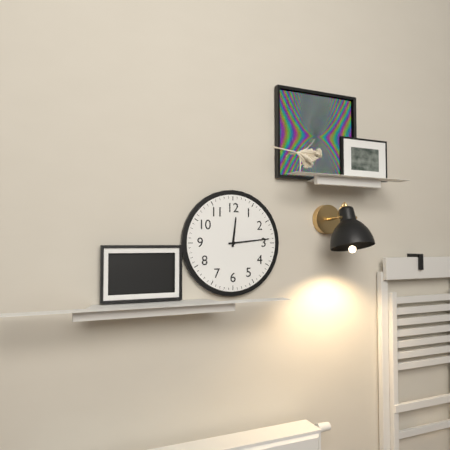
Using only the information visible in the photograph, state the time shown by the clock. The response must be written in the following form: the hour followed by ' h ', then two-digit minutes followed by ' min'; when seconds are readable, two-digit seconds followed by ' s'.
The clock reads 12 h 14 min
